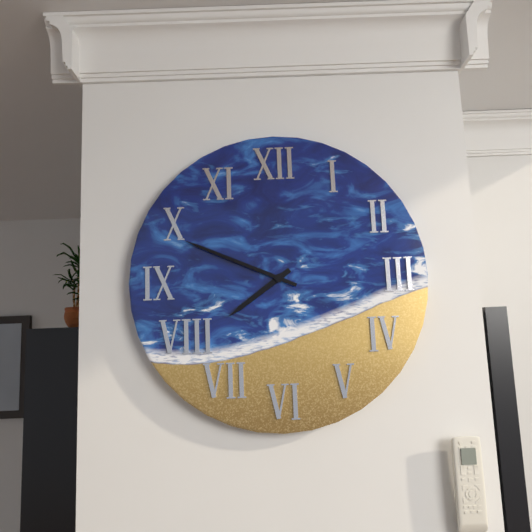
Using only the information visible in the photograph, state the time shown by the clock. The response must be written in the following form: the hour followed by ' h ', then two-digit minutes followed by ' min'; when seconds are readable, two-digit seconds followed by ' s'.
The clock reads 7 h 49 min
